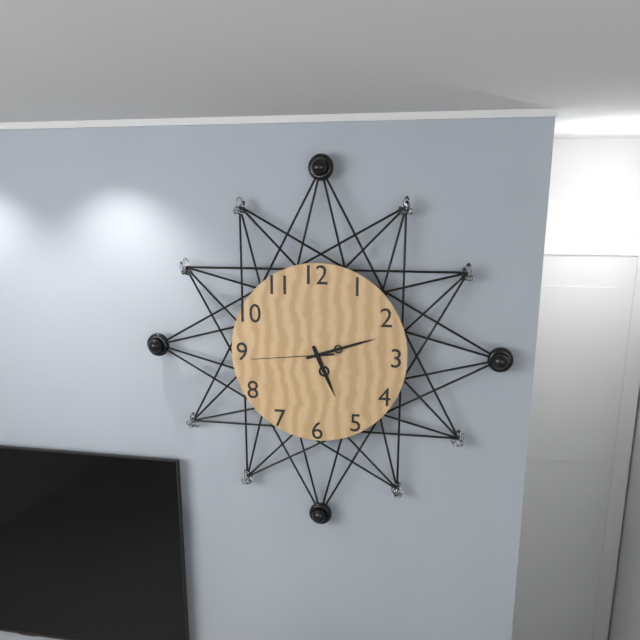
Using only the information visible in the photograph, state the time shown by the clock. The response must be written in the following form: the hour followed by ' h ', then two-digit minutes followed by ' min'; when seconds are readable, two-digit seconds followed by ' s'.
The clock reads 5 h 12 min 44 s
